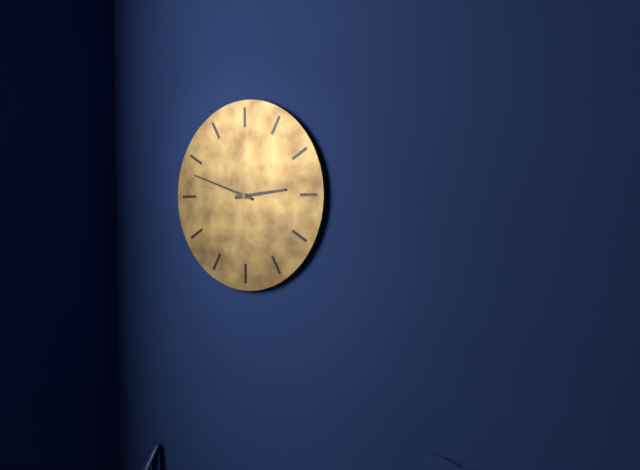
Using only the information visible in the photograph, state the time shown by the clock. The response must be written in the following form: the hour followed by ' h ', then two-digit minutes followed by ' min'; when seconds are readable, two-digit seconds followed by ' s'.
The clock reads 2 h 48 min
